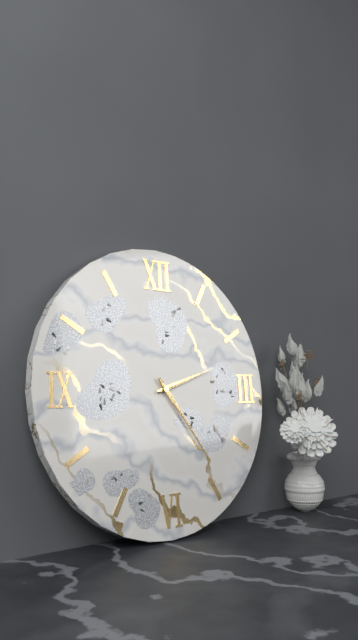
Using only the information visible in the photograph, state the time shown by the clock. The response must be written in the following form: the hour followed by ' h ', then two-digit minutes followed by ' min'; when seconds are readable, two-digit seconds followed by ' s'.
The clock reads 2 h 24 min
